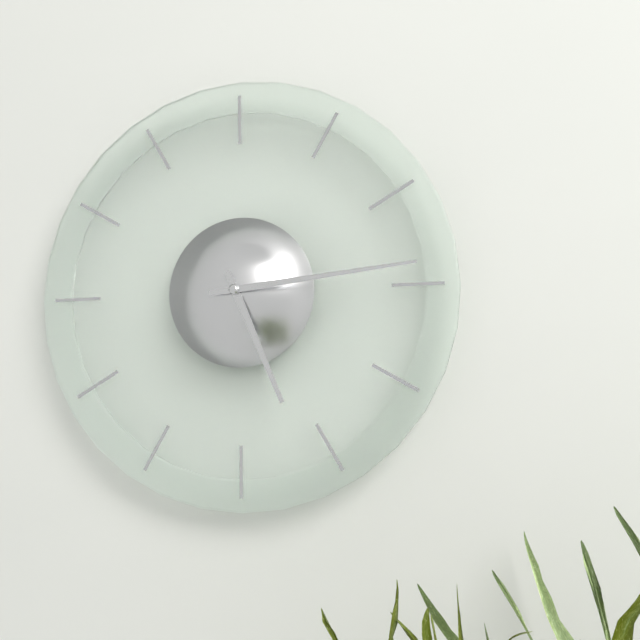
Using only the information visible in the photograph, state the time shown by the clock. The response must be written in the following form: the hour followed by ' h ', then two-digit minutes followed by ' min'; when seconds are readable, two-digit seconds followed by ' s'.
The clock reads 5 h 14 min
